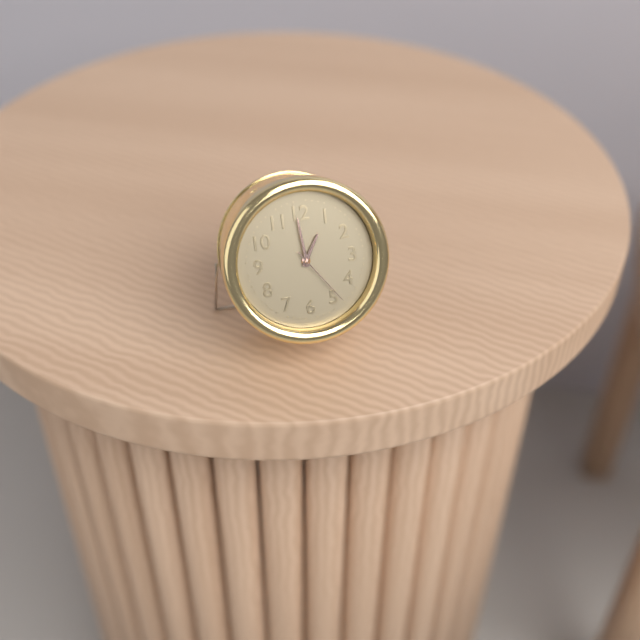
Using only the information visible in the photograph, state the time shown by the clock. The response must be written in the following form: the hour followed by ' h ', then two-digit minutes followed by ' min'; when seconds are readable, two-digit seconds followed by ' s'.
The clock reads 12 h 59 min 24 s
